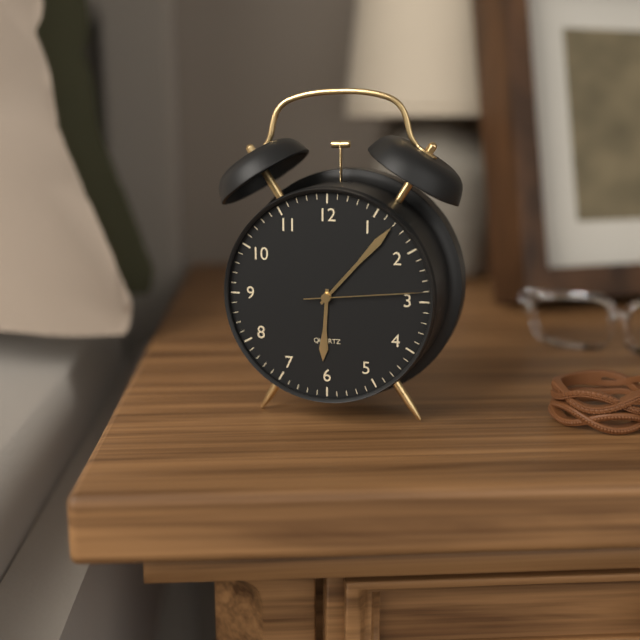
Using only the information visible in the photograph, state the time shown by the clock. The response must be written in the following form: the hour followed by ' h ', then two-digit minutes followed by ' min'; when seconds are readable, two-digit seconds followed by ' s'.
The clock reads 6 h 07 min 14 s
